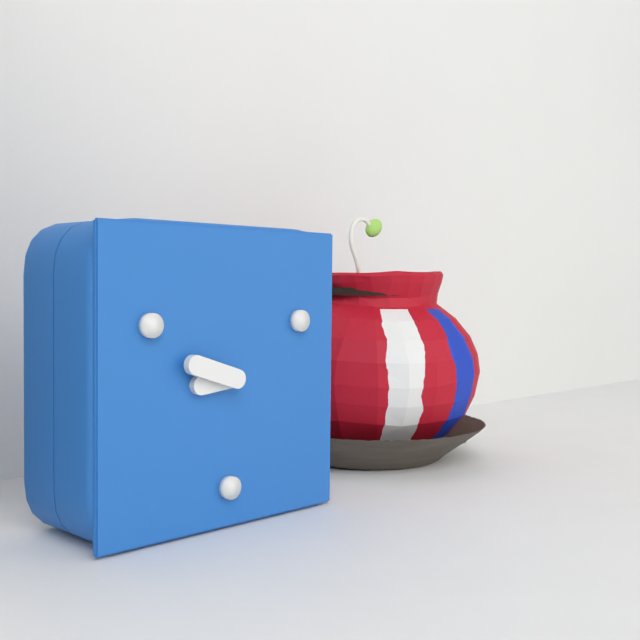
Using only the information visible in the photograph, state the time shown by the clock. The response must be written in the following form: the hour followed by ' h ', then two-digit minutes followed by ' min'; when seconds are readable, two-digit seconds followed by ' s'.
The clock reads 8 h 48 min
